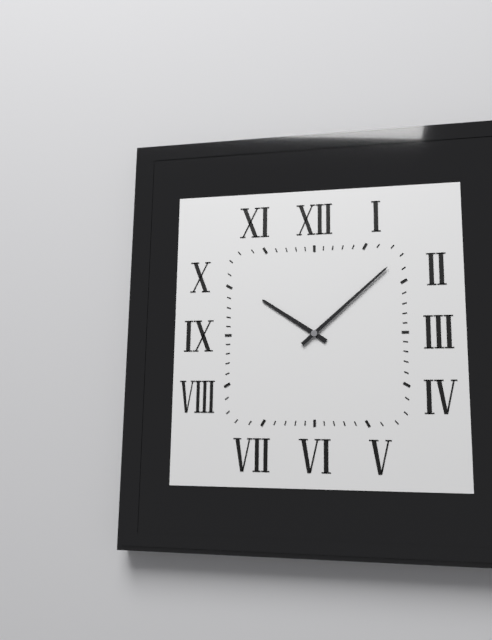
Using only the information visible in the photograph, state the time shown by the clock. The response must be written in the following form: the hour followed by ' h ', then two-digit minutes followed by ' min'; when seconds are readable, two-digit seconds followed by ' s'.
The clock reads 10 h 08 min
